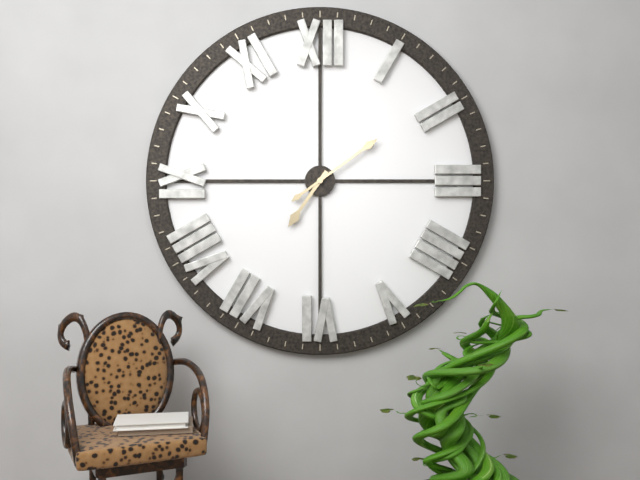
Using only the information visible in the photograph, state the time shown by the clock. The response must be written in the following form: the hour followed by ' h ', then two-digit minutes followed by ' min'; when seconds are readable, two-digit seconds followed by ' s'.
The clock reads 7 h 09 min
